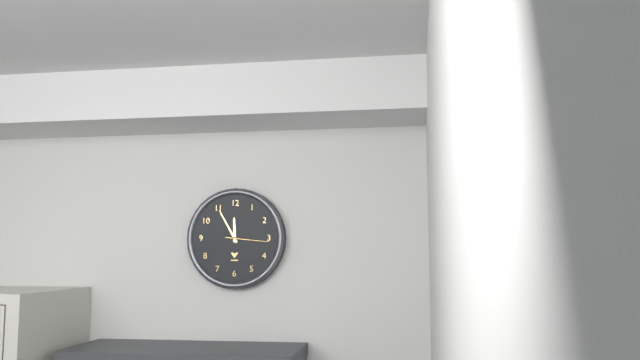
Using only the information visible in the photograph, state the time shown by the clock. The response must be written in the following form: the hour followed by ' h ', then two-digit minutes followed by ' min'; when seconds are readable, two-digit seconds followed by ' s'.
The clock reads 11 h 55 min
